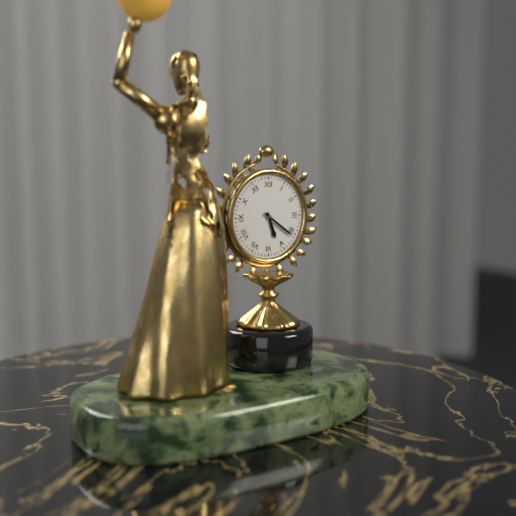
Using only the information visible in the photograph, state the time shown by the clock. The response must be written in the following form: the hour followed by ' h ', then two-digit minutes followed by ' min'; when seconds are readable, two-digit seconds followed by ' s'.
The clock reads 5 h 21 min
